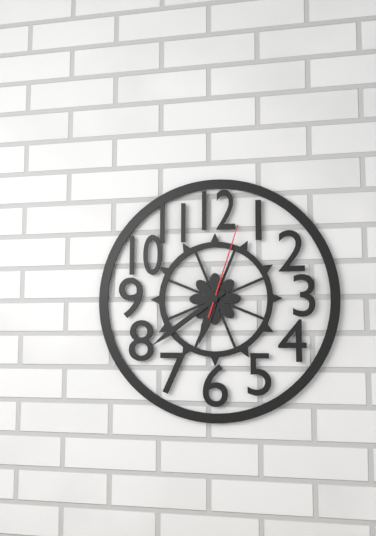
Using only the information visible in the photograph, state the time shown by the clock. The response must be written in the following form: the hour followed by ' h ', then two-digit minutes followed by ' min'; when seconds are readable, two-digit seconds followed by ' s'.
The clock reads 6 h 39 min 03 s
